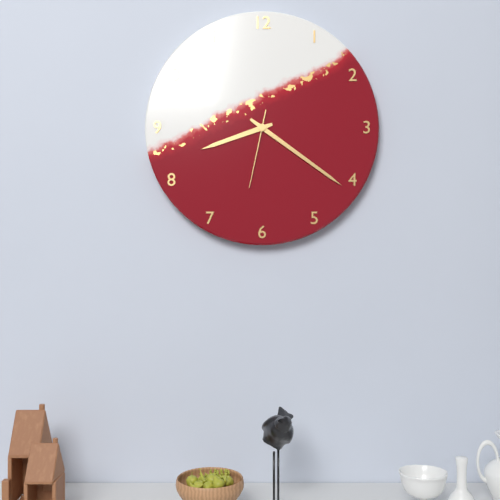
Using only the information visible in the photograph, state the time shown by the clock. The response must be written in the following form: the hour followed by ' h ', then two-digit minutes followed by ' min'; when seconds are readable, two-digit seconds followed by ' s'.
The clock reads 8 h 21 min 32 s
